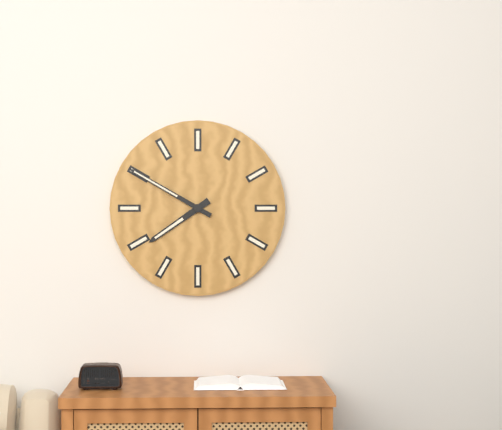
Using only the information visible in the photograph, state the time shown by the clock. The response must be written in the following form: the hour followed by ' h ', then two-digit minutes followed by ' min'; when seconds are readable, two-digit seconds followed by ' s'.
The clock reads 7 h 50 min
